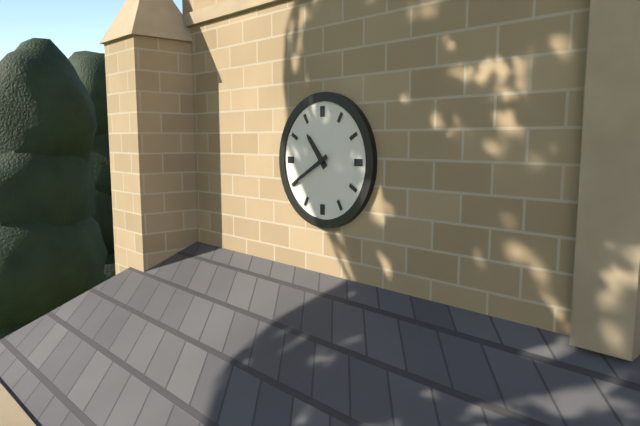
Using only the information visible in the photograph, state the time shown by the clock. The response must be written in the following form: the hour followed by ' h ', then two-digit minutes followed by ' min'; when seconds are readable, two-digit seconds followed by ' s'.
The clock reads 10 h 40 min
